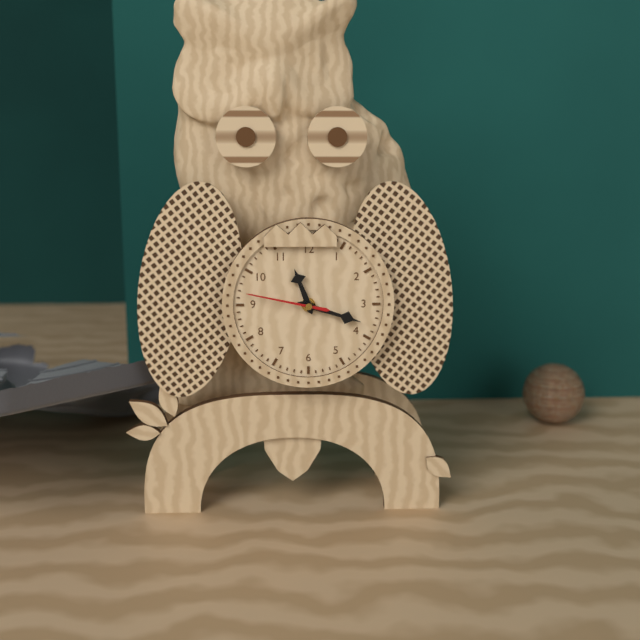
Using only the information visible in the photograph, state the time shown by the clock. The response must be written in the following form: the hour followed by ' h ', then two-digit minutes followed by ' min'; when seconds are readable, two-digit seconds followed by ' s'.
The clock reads 11 h 18 min 47 s
